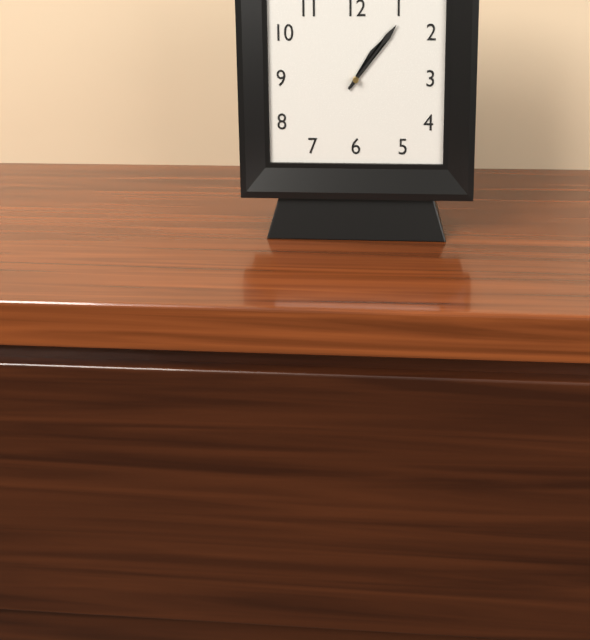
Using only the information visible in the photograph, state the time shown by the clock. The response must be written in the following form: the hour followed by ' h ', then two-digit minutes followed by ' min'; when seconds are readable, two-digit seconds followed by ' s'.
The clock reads 1 h 06 min
